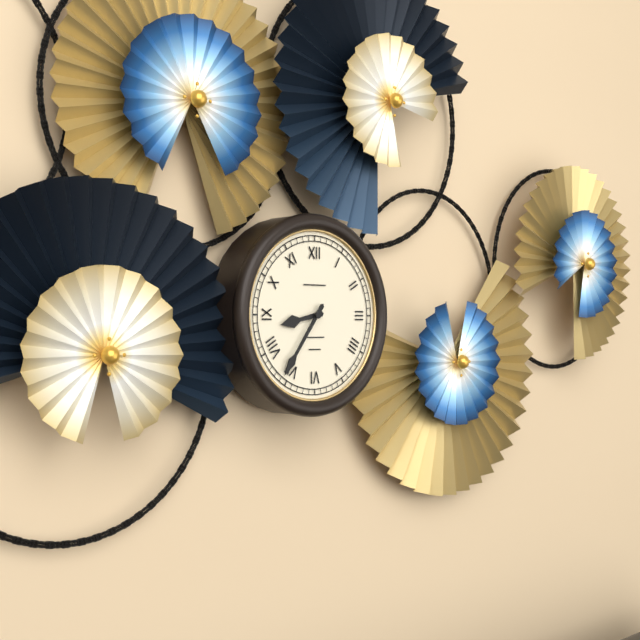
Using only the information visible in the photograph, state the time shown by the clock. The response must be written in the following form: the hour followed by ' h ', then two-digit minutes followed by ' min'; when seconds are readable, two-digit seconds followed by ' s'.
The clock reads 8 h 36 min
